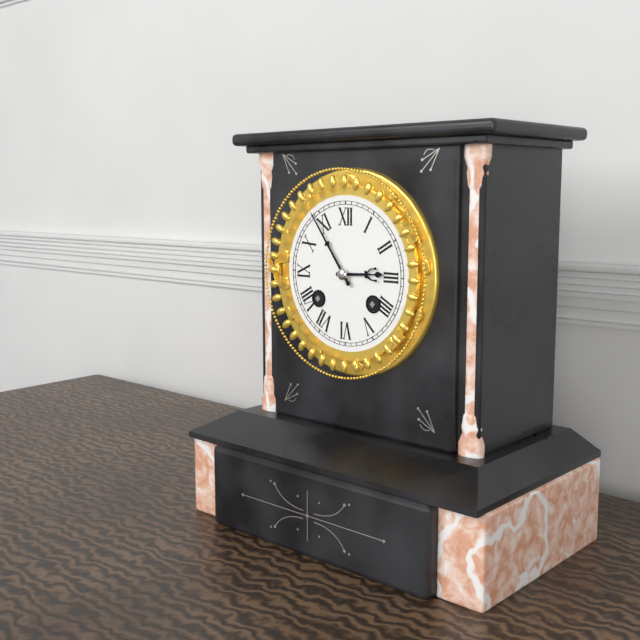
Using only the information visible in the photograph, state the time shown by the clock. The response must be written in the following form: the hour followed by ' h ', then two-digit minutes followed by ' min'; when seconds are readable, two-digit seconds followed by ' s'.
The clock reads 2 h 54 min
